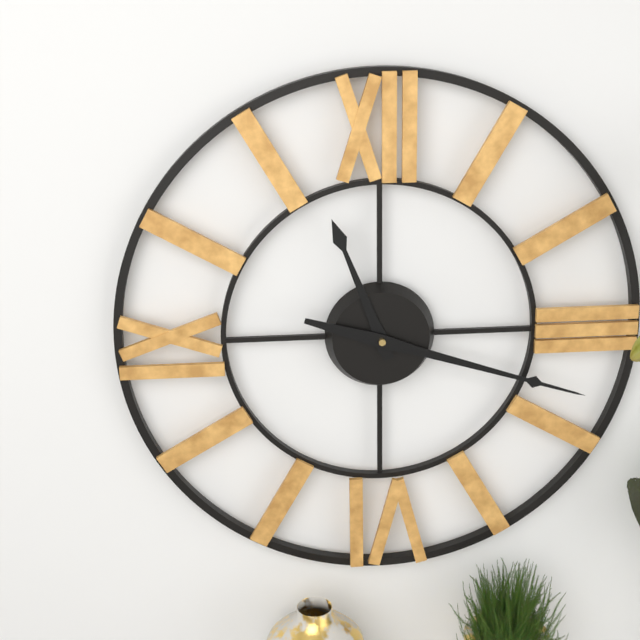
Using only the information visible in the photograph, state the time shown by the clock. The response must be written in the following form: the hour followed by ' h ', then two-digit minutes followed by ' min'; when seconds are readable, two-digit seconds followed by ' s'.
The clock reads 11 h 18 min
